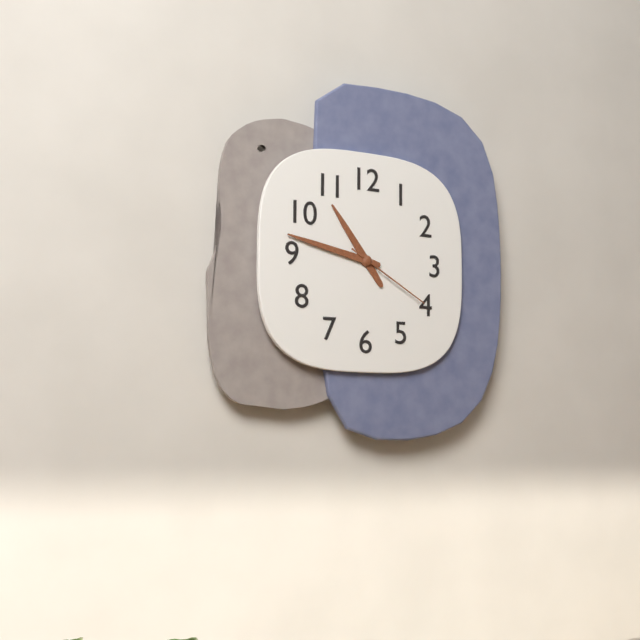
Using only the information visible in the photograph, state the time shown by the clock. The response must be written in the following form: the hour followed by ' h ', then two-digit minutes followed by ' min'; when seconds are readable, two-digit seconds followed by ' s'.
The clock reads 10 h 47 min 20 s
